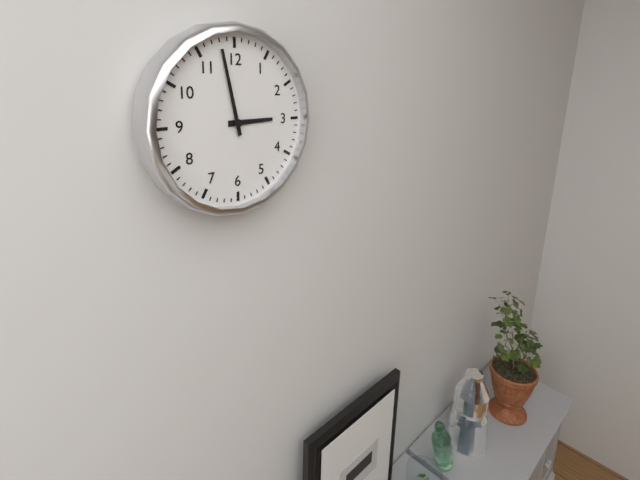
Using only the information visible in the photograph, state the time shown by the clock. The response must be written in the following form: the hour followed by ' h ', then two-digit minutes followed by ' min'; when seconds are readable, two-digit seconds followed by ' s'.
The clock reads 2 h 58 min
